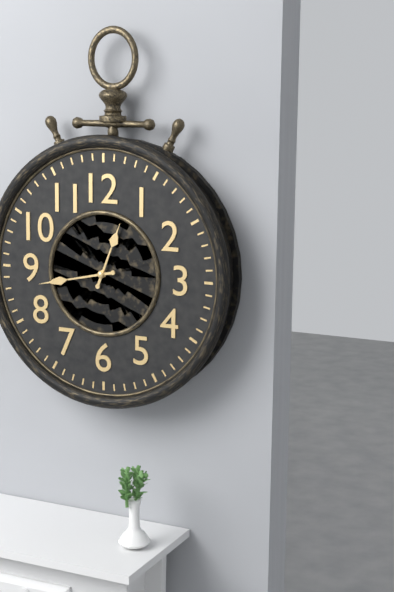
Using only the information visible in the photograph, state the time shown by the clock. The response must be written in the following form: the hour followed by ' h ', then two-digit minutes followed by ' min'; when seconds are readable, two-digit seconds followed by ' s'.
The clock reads 12 h 43 min
